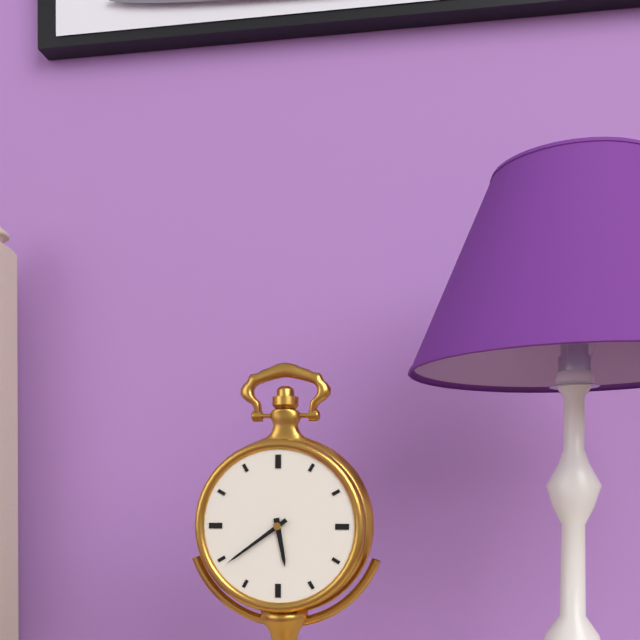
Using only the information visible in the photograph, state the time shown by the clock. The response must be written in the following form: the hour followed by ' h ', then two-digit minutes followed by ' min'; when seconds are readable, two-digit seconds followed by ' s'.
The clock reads 5 h 39 min
